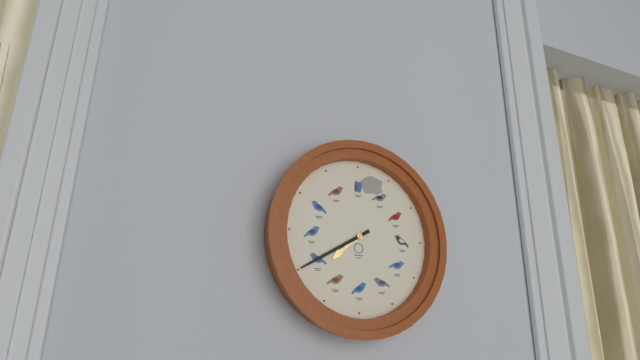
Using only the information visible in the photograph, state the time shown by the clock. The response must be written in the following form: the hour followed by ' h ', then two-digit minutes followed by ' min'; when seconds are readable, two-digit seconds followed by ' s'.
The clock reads 7 h 40 min
